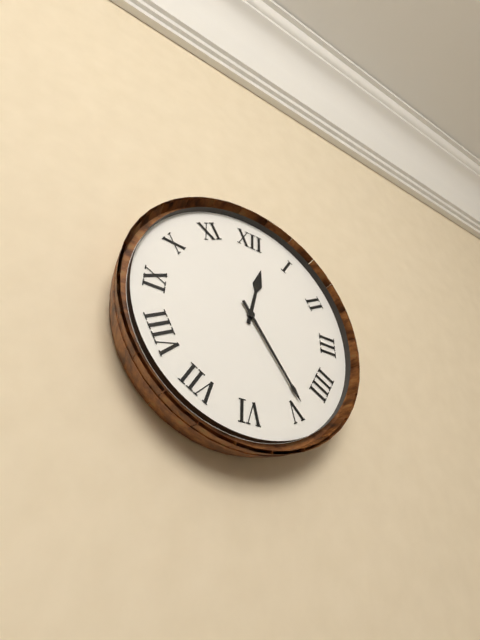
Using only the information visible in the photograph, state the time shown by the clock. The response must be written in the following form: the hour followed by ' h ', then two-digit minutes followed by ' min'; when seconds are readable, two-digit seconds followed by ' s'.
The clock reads 12 h 24 min
